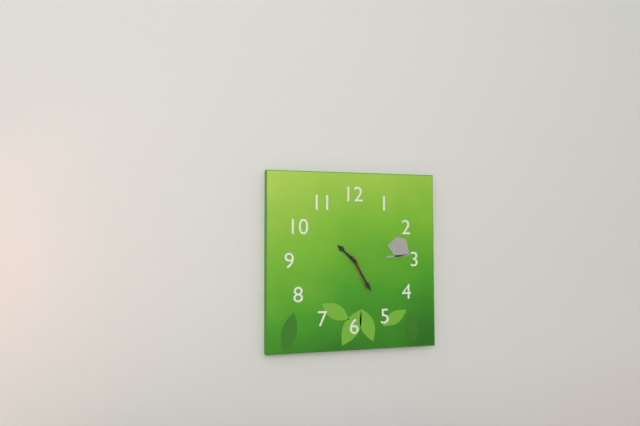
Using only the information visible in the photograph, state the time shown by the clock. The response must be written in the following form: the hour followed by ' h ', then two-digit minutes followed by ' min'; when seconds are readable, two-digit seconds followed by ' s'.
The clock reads 10 h 25 min
